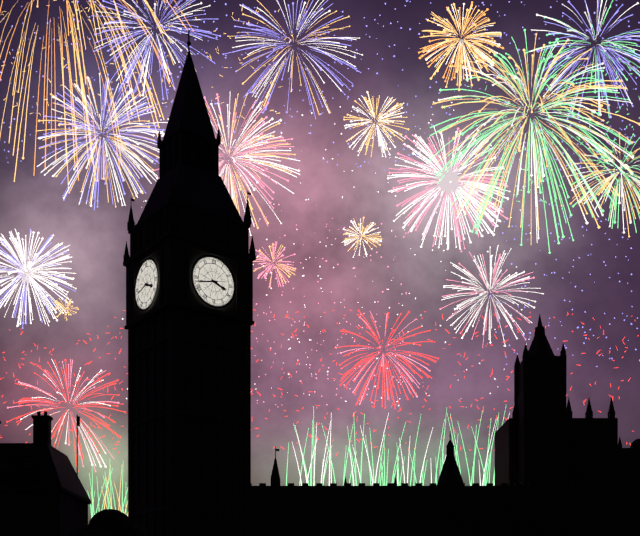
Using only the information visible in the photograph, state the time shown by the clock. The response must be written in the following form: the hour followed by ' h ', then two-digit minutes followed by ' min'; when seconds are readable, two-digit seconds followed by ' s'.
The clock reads 3 h 43 min
